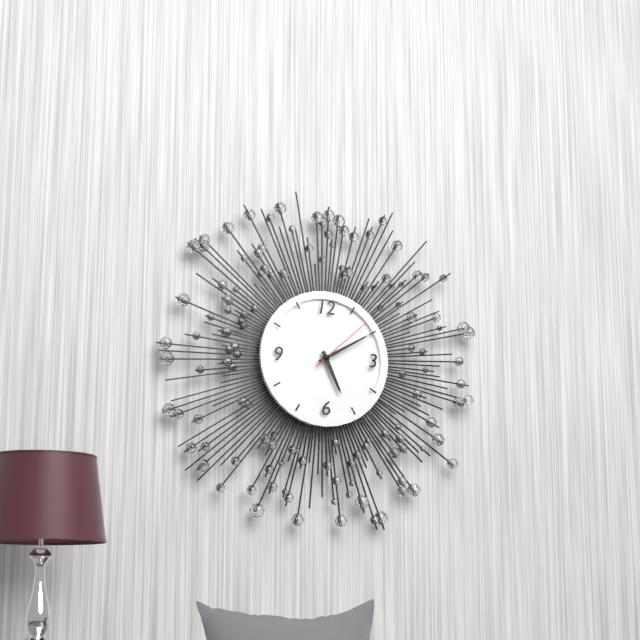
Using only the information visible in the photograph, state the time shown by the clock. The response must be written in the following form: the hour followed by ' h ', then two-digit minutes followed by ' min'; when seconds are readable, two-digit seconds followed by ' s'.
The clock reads 5 h 10 min 08 s
